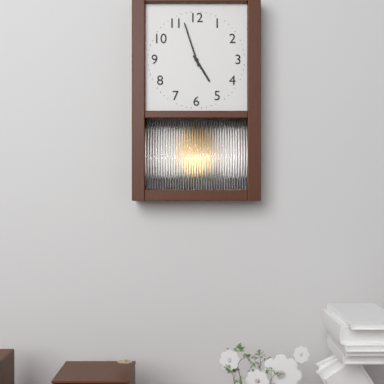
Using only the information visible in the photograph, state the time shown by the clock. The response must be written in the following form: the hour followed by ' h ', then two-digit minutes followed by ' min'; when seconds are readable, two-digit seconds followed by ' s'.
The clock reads 4 h 57 min
